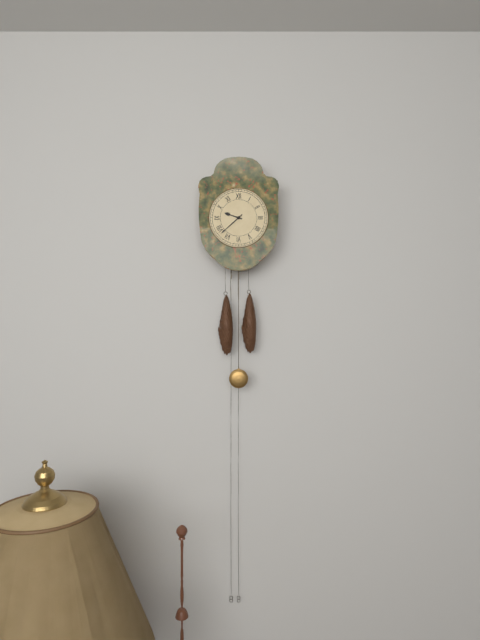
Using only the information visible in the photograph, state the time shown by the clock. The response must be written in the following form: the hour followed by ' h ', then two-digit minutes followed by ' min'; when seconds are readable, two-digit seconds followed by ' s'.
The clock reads 9 h 38 min
